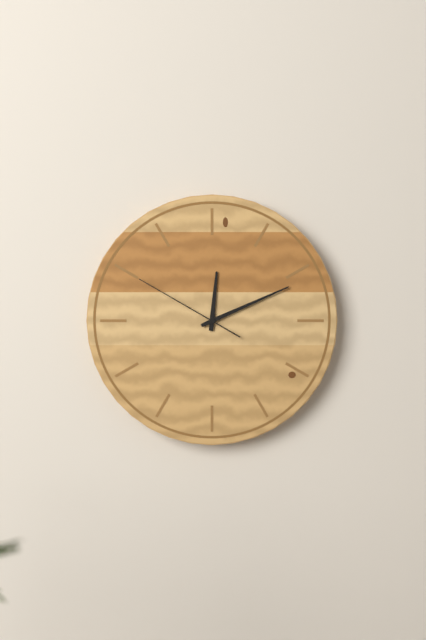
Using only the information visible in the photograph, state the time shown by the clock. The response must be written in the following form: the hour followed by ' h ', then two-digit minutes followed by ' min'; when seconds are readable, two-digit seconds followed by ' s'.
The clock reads 12 h 11 min 50 s
